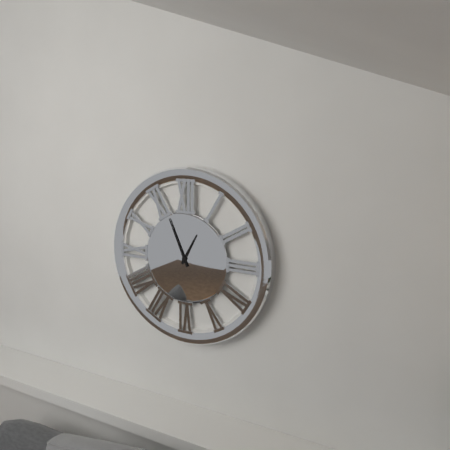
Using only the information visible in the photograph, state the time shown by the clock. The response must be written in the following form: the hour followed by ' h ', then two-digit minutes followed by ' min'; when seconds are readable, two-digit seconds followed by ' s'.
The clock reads 12 h 56 min
